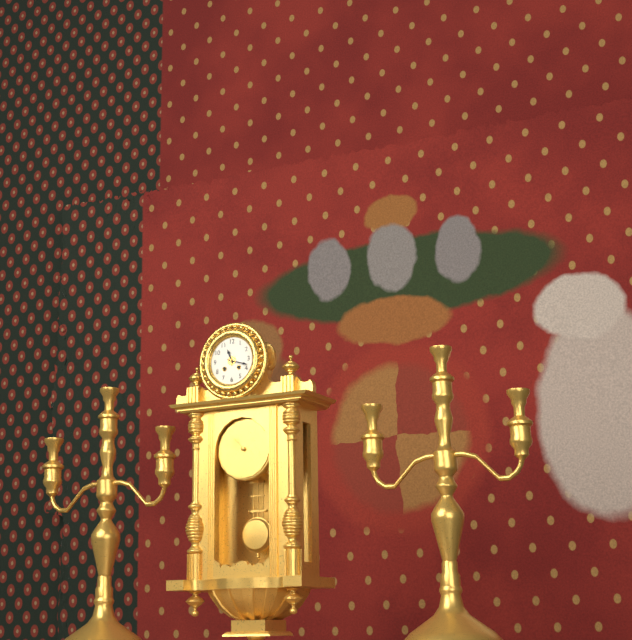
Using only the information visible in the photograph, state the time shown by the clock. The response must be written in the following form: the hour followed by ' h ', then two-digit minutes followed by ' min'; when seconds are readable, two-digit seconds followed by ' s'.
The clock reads 11 h 18 min
